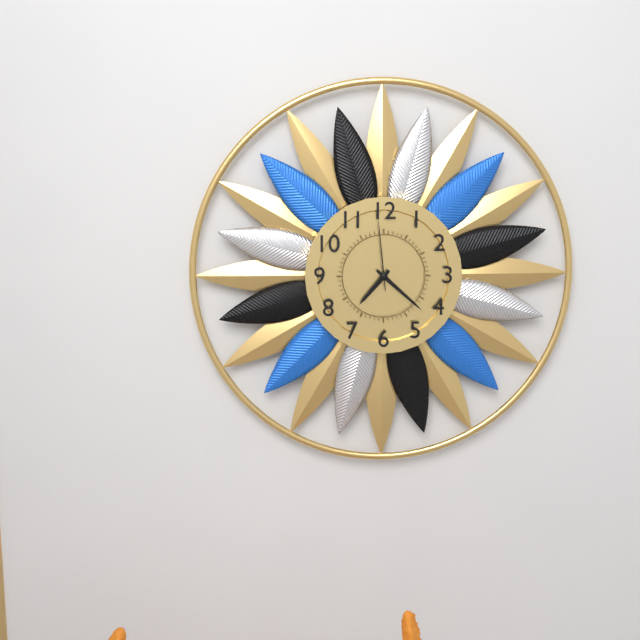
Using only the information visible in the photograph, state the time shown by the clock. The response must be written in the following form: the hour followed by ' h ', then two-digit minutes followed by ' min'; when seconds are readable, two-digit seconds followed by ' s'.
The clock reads 7 h 22 min 59 s
